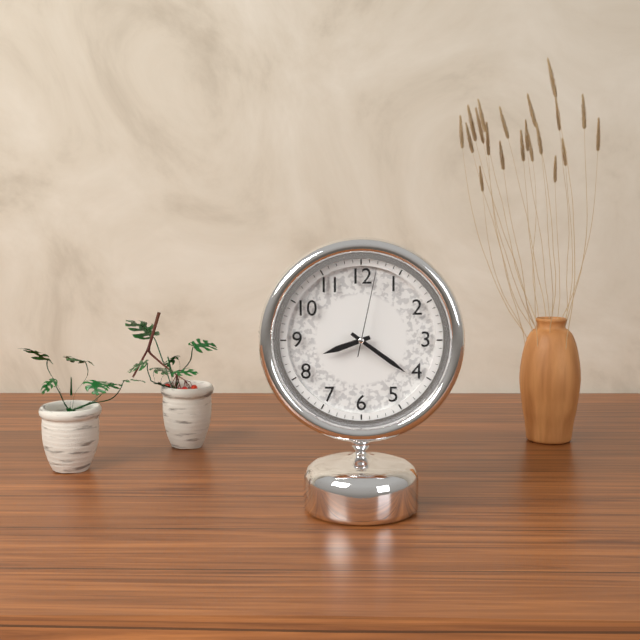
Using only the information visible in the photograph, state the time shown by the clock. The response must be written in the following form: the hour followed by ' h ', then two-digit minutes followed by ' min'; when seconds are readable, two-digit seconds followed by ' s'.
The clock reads 8 h 21 min 02 s
